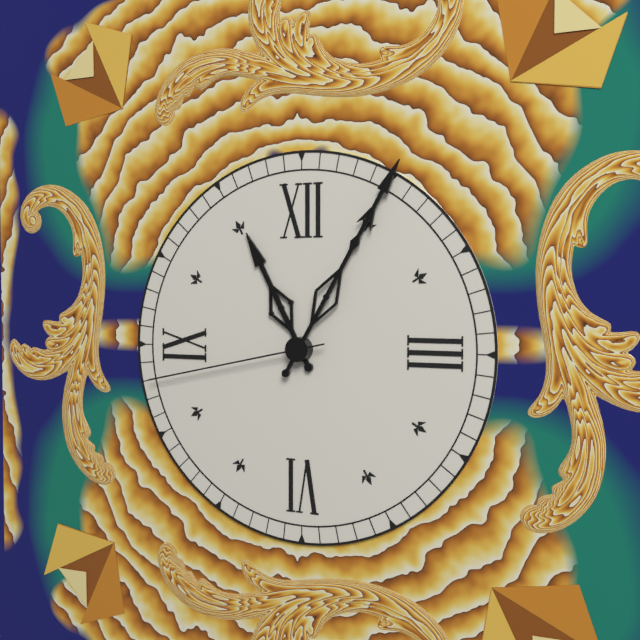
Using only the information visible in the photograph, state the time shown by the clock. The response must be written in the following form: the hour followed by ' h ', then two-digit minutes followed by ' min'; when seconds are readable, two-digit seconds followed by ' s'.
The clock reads 11 h 05 min 43 s
